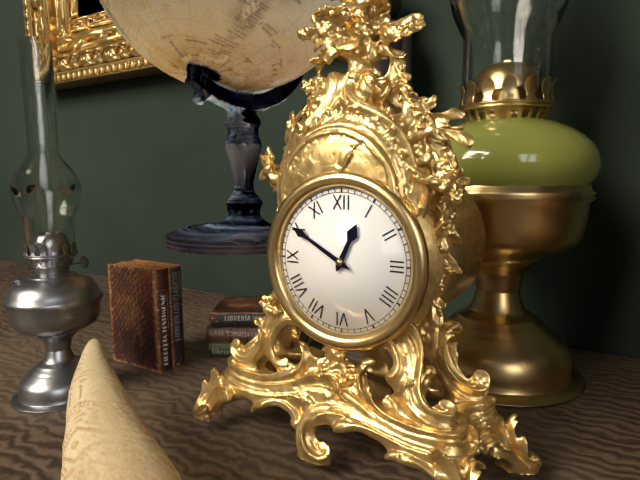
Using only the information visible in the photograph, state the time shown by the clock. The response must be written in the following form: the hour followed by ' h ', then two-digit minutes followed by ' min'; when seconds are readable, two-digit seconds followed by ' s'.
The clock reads 12 h 50 min
